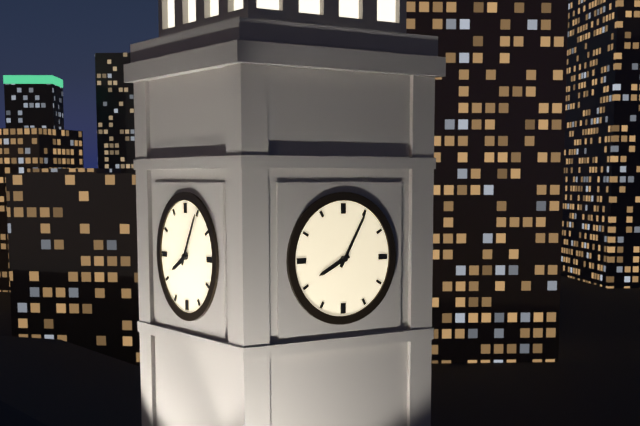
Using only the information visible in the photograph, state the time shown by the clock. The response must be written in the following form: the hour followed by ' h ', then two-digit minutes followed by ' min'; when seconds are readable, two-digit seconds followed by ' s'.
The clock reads 8 h 05 min
